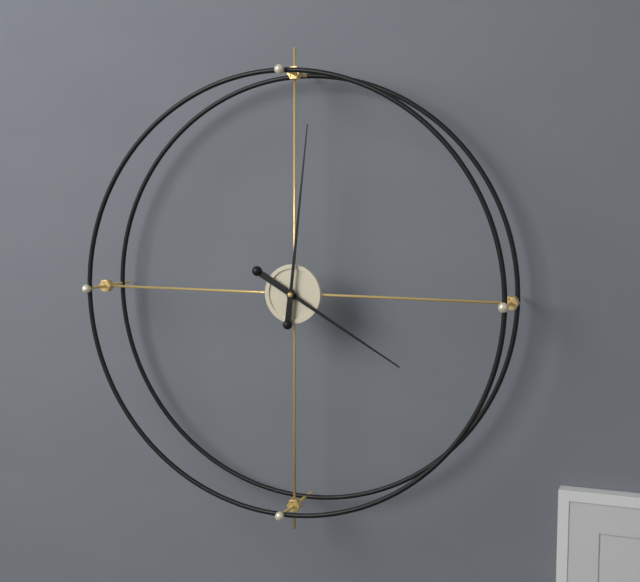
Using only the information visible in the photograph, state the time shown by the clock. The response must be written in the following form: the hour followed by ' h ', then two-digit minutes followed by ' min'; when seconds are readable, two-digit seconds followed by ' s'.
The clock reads 4 h 01 min
